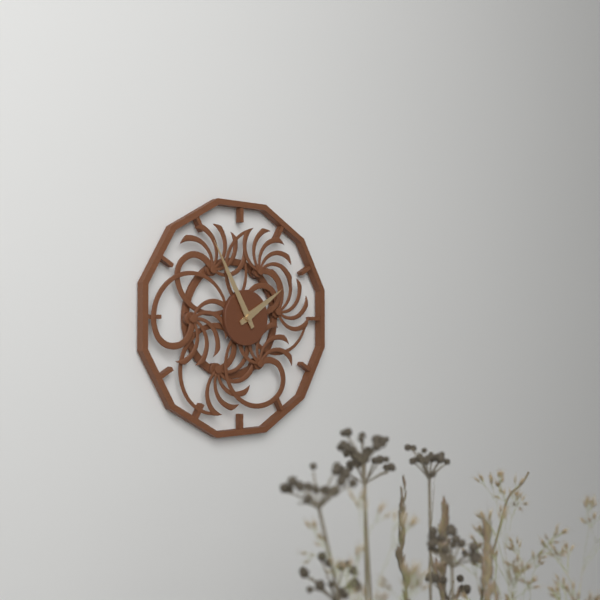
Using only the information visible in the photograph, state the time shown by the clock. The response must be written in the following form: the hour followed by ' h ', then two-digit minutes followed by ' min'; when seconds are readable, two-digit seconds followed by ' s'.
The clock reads 1 h 55 min
